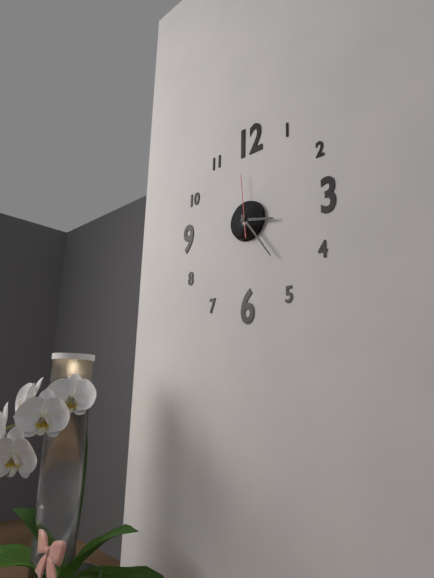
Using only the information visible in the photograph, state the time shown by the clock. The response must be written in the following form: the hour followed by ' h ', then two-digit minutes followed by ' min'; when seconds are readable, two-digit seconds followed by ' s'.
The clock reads 3 h 24 min 59 s
